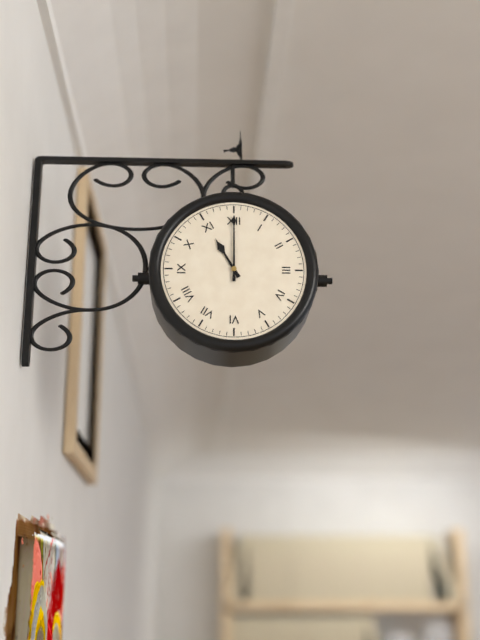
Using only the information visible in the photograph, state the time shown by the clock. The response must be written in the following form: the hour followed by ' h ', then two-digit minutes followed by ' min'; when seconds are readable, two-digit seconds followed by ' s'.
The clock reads 11 h 00 min
